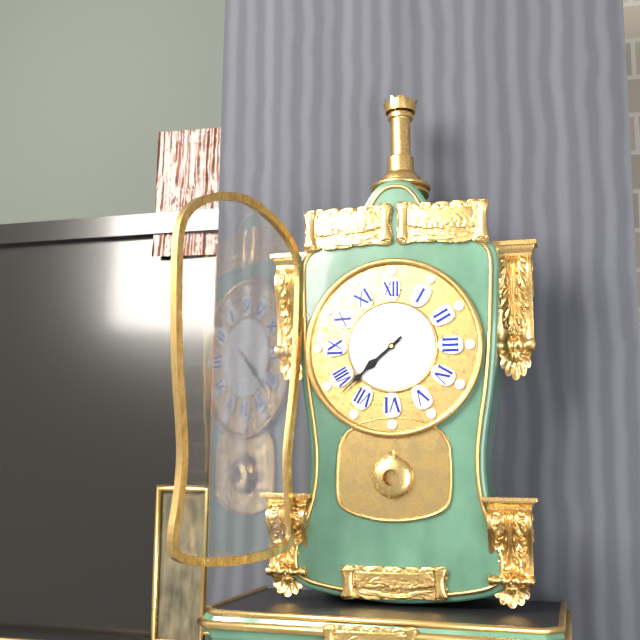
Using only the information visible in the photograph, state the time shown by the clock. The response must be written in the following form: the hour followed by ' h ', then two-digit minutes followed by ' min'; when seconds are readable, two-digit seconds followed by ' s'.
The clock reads 7 h 38 min
